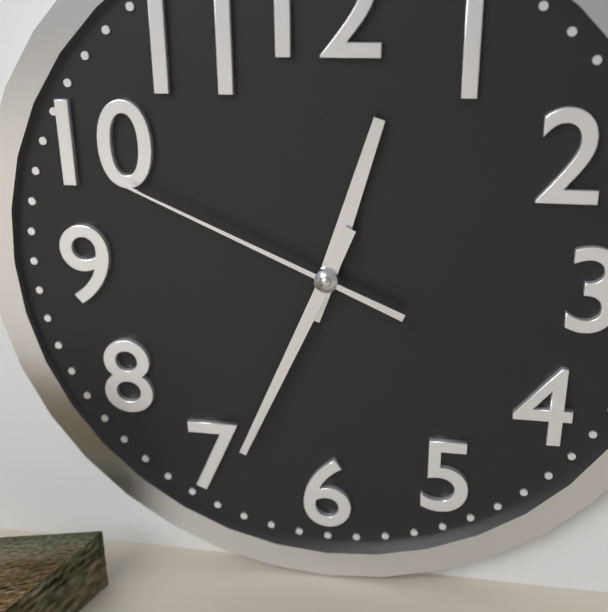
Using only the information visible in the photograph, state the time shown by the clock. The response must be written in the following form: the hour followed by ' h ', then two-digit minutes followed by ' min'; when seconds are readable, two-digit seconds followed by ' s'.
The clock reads 12 h 34 min 49 s
